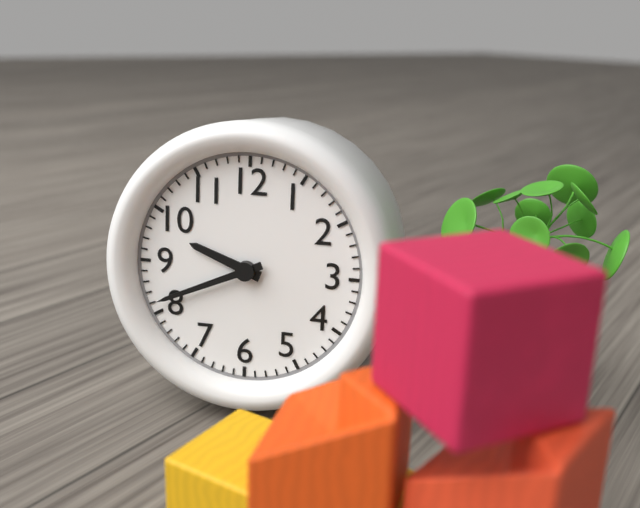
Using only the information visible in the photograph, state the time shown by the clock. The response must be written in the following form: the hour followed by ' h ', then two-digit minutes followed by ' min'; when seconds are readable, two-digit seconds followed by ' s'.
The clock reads 9 h 41 min
